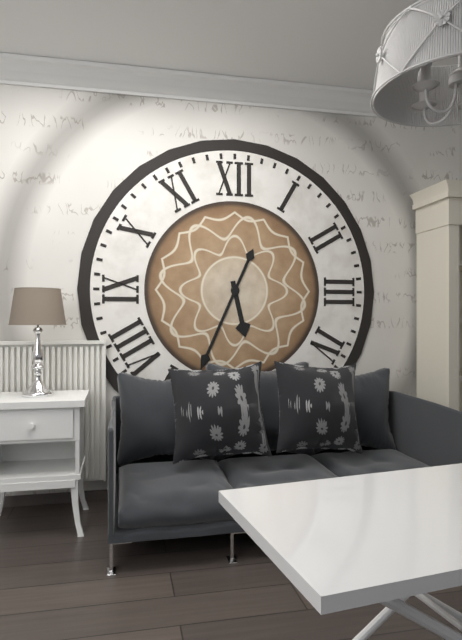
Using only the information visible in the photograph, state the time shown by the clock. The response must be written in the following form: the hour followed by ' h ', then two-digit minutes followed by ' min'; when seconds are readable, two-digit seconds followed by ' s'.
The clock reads 5 h 34 min
